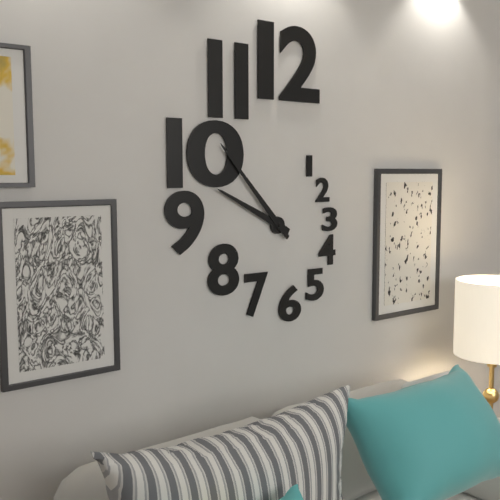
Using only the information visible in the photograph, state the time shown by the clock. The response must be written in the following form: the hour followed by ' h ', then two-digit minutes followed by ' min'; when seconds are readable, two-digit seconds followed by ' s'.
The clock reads 9 h 53 min
